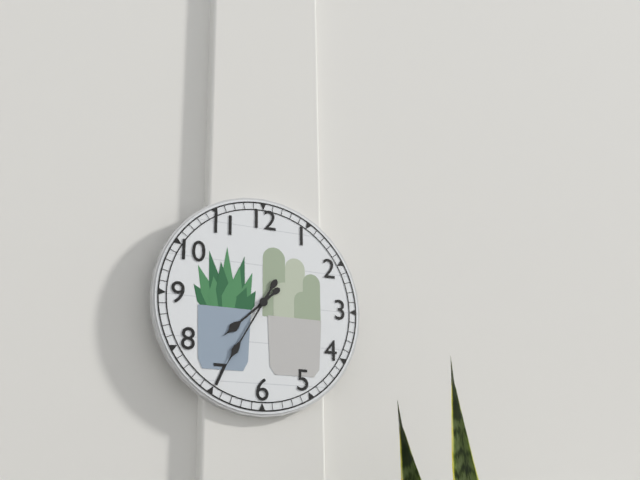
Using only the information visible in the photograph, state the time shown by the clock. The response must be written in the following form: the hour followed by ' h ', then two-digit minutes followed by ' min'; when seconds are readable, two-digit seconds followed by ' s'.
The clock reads 7 h 35 min
